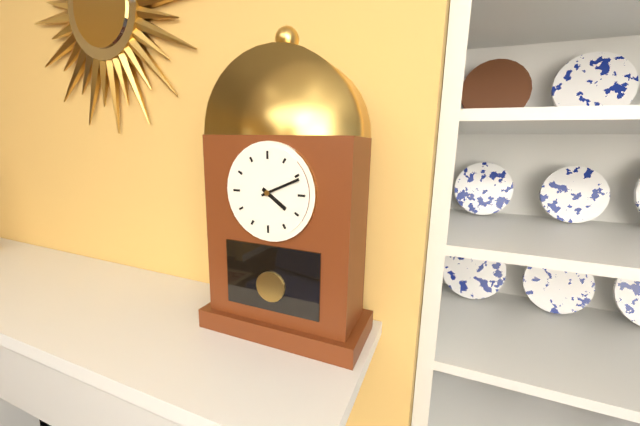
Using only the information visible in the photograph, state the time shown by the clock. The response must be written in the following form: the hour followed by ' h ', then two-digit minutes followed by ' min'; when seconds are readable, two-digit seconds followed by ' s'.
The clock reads 4 h 11 min
